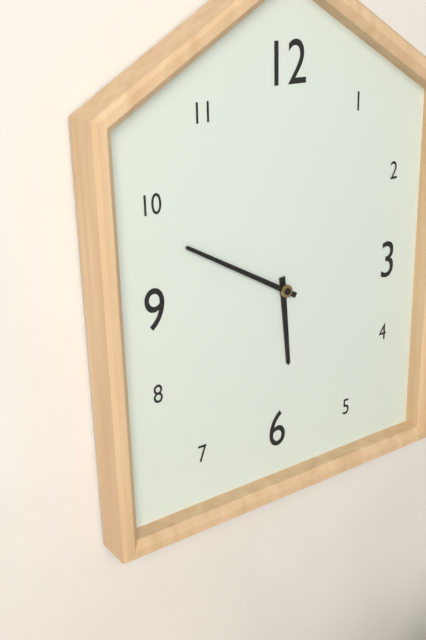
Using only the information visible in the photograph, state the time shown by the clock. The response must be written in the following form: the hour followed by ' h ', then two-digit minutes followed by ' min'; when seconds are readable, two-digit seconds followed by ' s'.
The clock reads 5 h 50 min
